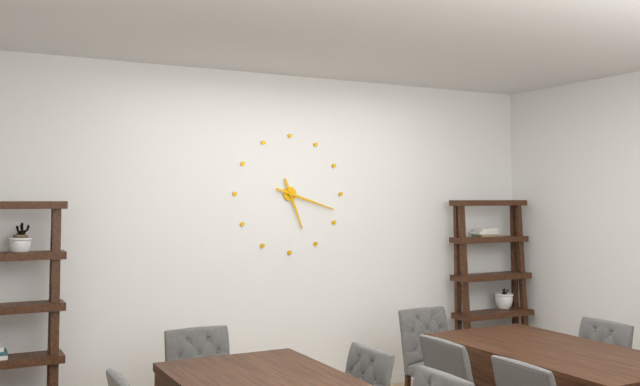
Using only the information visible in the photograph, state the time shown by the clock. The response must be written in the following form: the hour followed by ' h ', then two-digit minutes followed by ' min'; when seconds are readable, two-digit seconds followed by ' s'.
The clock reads 5 h 18 min
